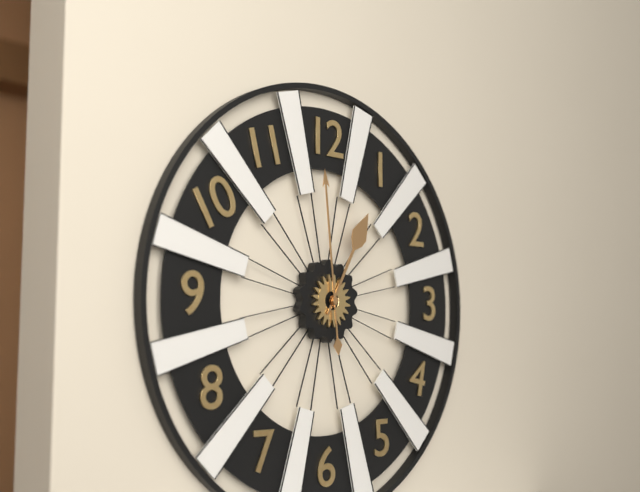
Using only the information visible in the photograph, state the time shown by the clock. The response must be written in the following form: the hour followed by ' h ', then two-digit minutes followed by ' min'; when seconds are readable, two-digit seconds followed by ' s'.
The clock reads 12 h 59 min
